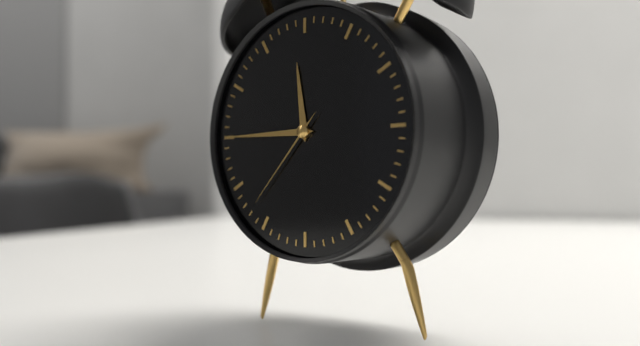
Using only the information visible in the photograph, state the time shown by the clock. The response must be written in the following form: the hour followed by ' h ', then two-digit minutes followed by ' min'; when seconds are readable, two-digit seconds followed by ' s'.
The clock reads 11 h 45 min 37 s
